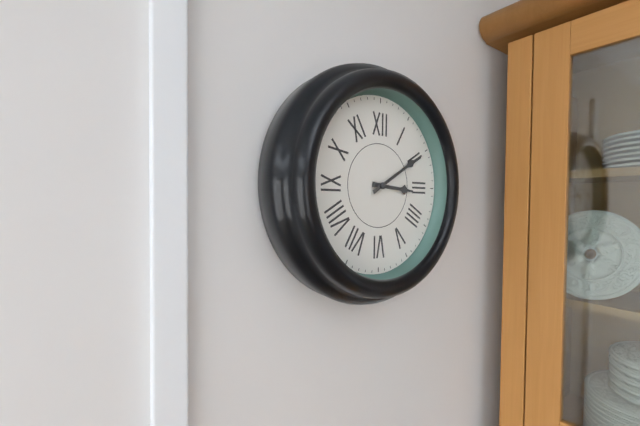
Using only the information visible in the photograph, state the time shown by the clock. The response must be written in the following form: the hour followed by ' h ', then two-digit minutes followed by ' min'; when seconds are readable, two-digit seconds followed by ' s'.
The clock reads 3 h 10 min
